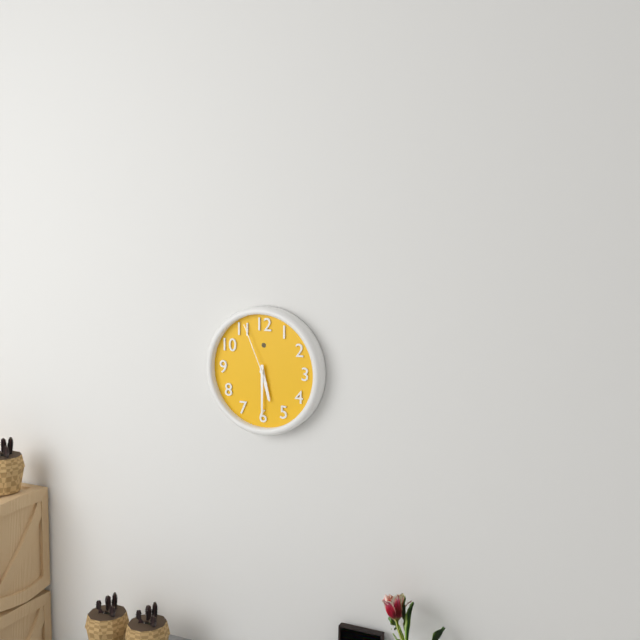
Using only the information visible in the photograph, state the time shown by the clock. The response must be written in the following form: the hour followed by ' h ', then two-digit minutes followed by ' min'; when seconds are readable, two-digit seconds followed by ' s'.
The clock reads 5 h 30 min 56 s
